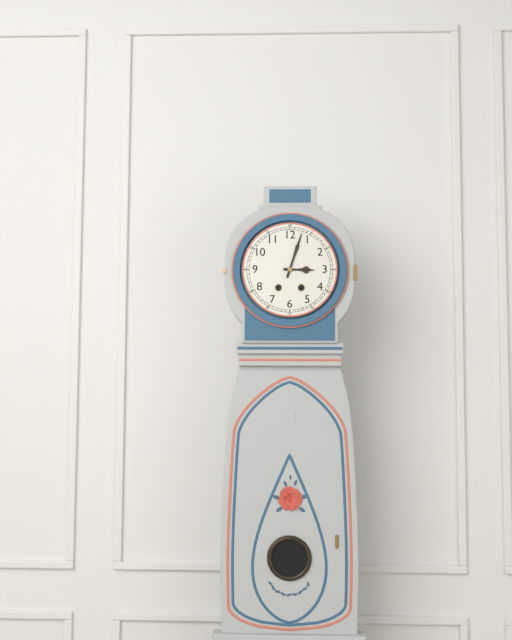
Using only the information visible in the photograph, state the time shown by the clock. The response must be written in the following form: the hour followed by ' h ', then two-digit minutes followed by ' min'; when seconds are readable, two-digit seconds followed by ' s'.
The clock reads 3 h 03 min
